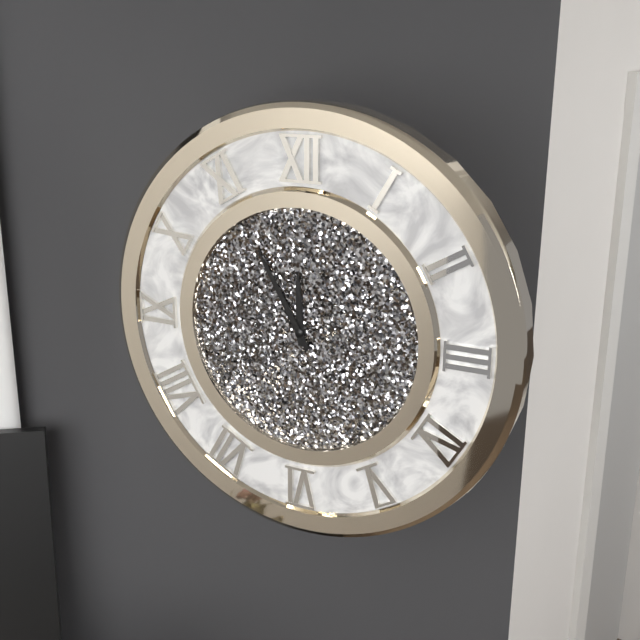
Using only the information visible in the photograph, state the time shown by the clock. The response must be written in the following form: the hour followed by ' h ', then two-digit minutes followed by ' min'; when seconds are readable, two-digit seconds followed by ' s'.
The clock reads 11 h 55 min
